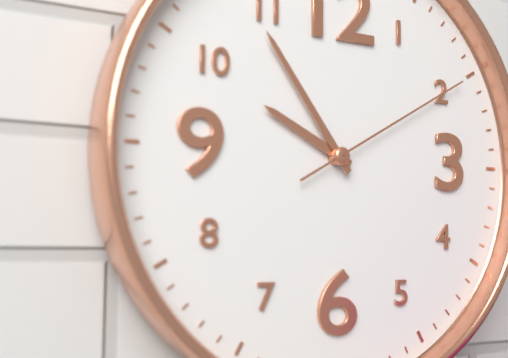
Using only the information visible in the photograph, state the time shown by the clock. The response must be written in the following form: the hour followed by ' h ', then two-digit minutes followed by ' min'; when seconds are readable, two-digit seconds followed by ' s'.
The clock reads 9 h 54 min 10 s
